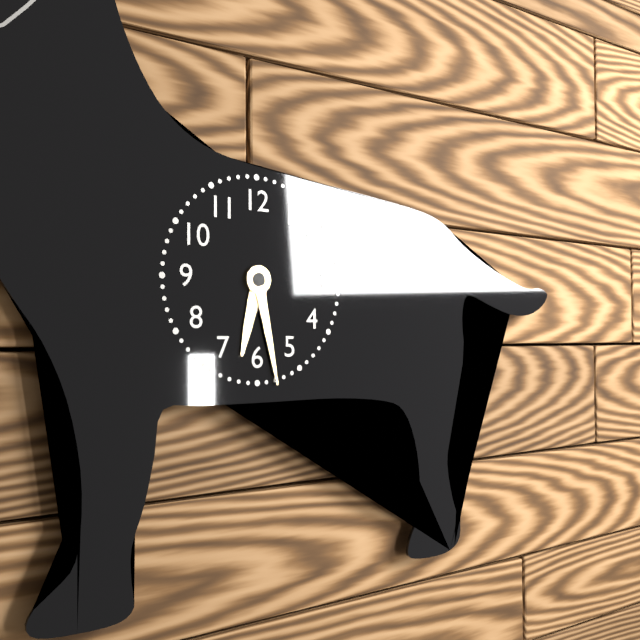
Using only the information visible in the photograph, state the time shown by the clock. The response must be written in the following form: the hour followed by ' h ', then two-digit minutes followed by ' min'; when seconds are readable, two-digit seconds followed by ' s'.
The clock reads 6 h 28 min
